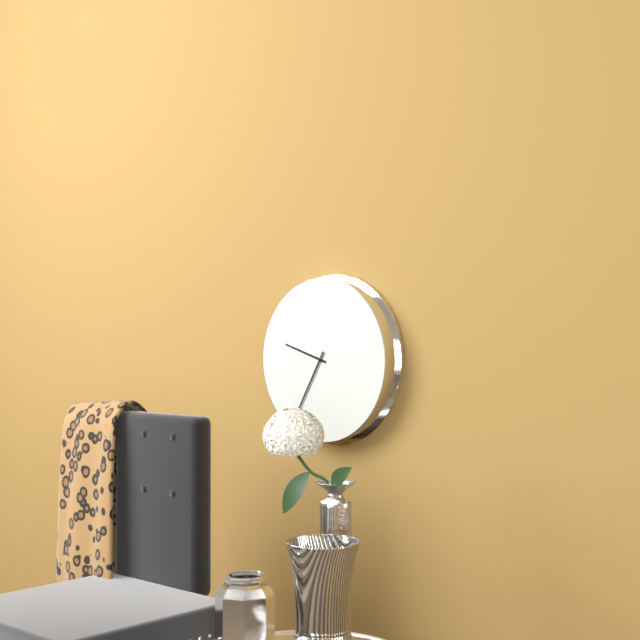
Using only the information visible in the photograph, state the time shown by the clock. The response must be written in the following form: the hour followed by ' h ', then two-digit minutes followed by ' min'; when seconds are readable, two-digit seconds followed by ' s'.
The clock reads 9 h 35 min
